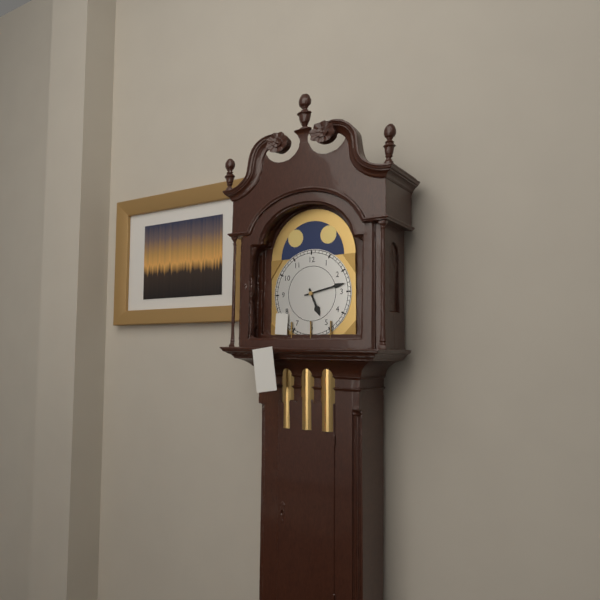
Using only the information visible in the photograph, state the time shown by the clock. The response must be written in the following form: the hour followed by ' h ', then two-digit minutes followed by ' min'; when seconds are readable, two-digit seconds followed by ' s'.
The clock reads 5 h 13 min
